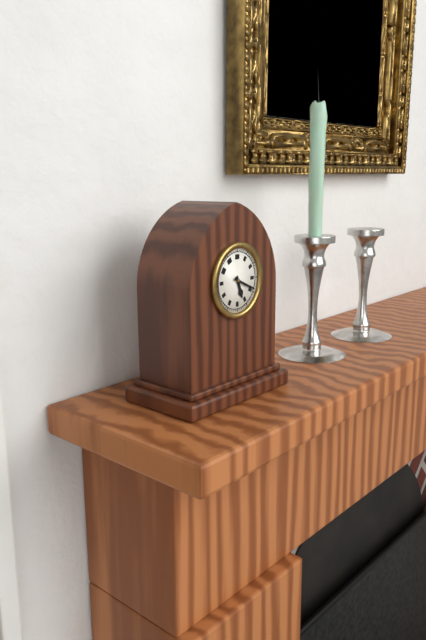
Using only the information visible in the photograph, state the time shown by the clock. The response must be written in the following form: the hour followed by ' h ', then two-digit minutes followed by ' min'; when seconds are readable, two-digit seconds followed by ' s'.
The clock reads 5 h 19 min
